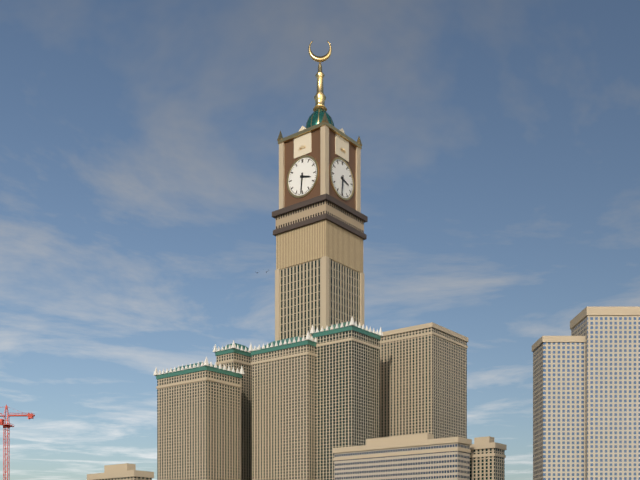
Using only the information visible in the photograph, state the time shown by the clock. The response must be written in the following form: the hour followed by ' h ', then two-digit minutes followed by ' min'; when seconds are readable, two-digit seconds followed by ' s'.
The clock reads 3 h 31 min
